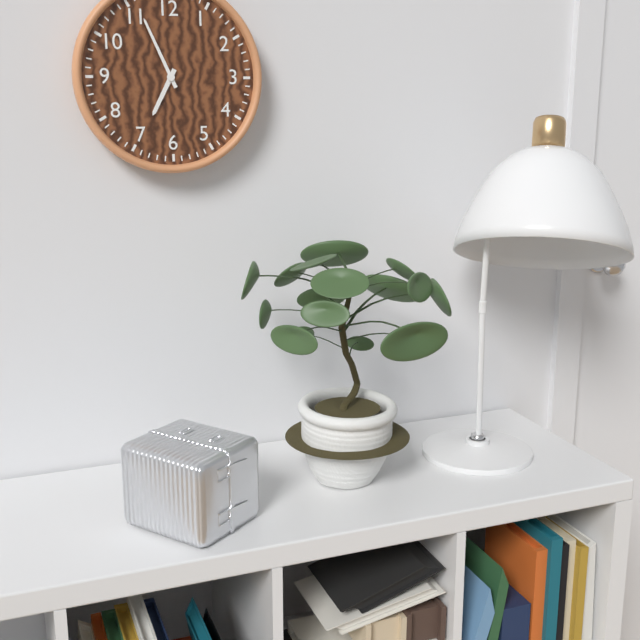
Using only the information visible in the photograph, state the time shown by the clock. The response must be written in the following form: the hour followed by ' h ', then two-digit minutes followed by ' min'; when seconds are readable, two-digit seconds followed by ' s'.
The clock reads 6 h 56 min
